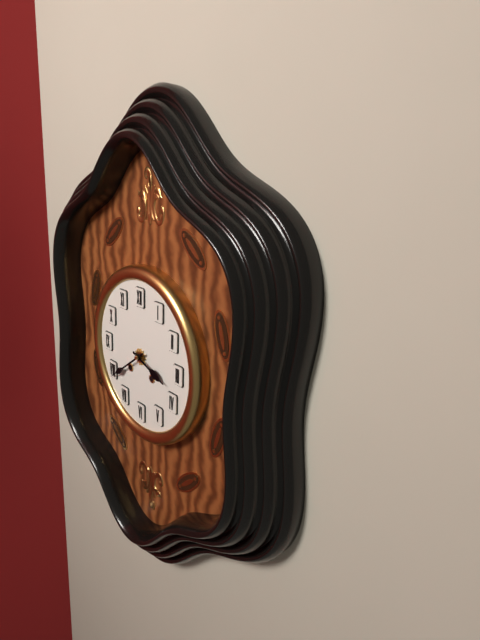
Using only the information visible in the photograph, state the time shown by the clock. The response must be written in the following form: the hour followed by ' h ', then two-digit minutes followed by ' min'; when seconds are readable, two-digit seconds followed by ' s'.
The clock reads 3 h 39 min
